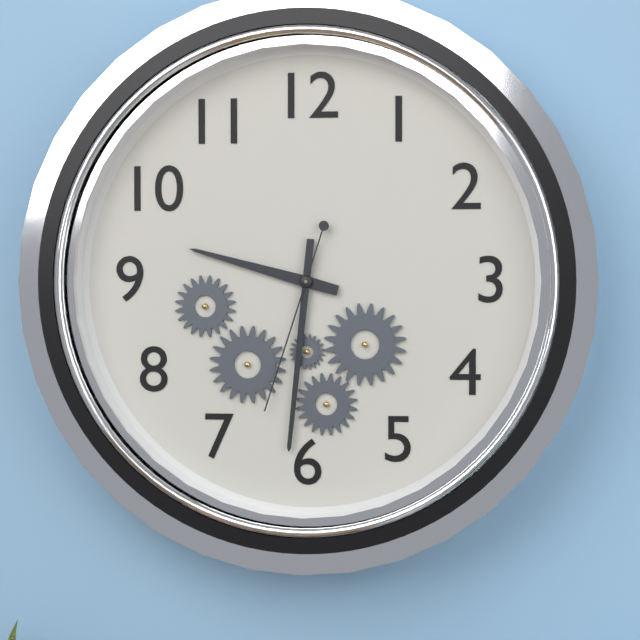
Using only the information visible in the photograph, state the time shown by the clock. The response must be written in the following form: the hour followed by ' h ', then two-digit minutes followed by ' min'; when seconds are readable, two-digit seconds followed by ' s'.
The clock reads 9 h 31 min 33 s
